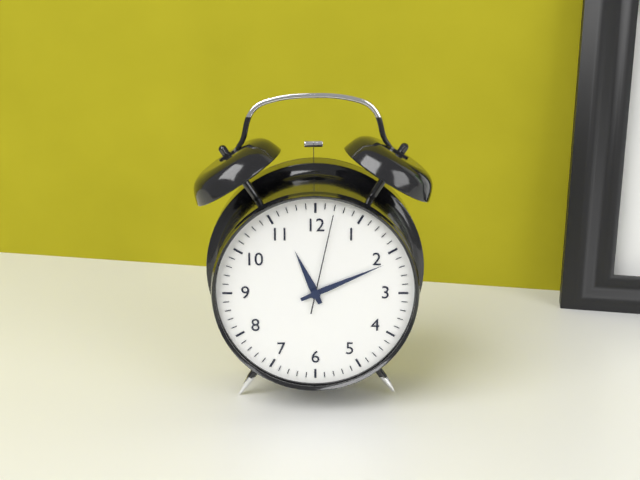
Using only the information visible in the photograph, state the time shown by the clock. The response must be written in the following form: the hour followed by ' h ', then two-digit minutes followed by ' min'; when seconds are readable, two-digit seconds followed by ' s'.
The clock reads 11 h 11 min 02 s
